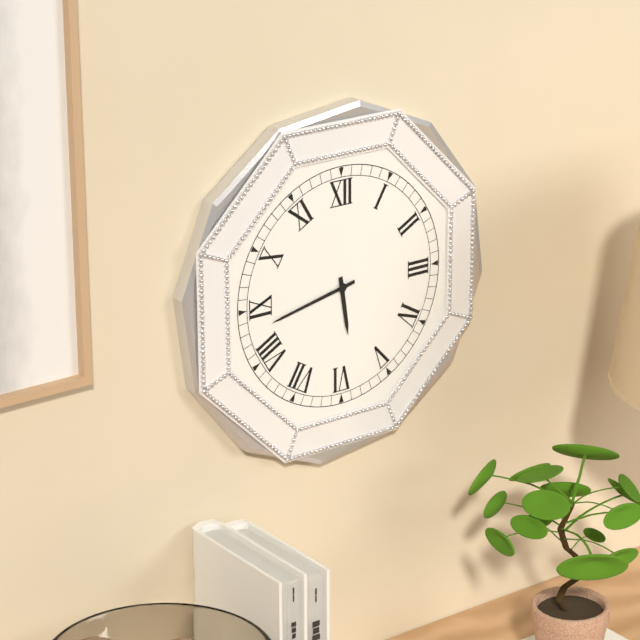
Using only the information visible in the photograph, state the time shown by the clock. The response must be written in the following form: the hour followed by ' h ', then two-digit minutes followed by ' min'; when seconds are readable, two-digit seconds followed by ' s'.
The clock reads 5 h 43 min
